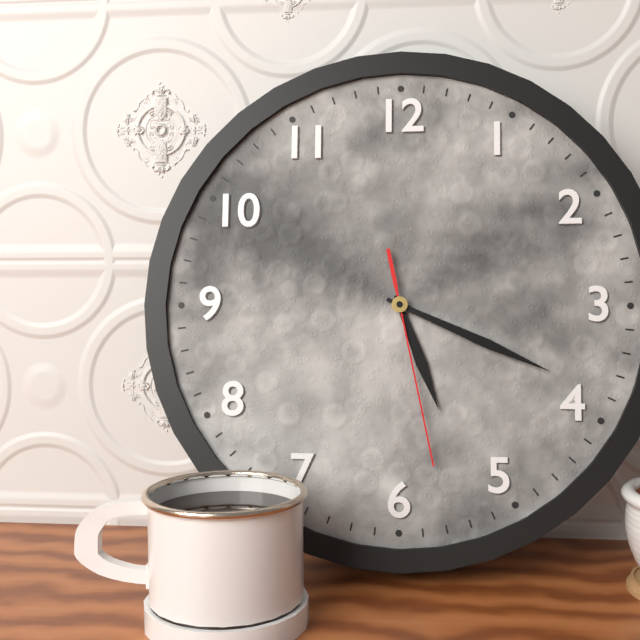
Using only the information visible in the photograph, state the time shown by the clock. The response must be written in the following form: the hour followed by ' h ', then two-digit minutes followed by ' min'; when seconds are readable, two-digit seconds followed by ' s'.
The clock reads 5 h 19 min 28 s
